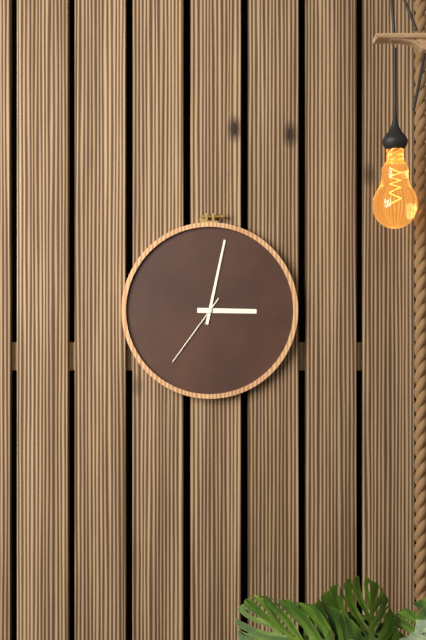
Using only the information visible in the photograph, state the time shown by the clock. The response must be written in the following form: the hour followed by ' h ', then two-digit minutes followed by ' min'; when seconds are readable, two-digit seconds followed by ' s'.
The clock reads 3 h 02 min 36 s
